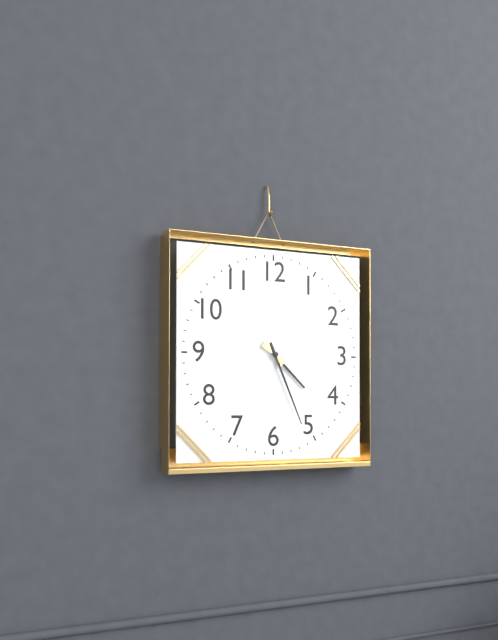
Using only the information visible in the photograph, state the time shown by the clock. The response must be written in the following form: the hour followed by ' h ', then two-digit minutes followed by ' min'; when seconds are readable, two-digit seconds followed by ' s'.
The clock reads 4 h 26 min
